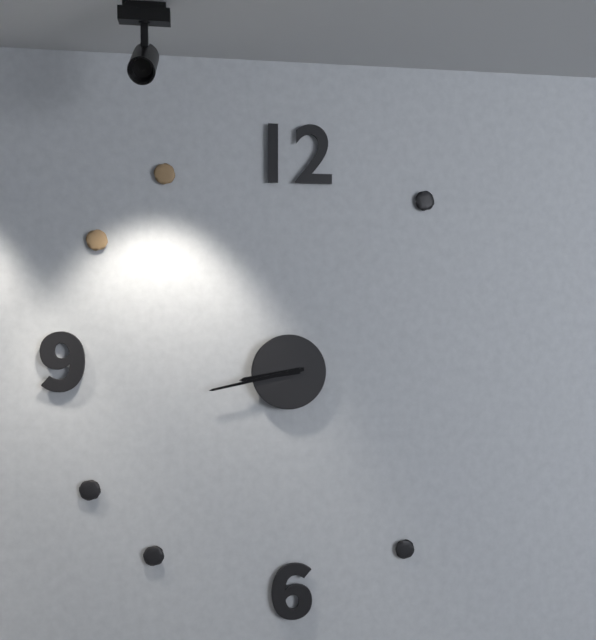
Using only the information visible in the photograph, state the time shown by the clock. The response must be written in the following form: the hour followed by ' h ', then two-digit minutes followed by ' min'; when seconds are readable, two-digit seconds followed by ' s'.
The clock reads 8 h 43 min
